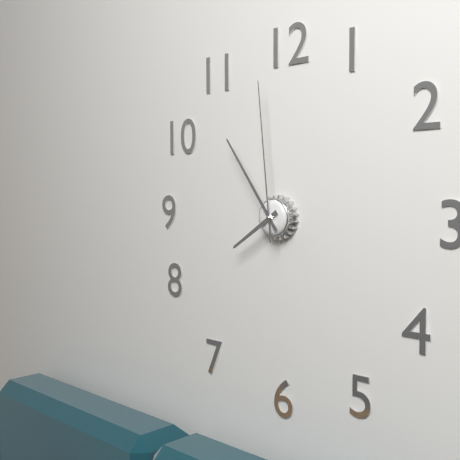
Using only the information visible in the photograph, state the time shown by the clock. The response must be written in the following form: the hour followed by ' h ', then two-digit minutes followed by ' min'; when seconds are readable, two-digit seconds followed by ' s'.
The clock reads 7 h 54 min 59 s
